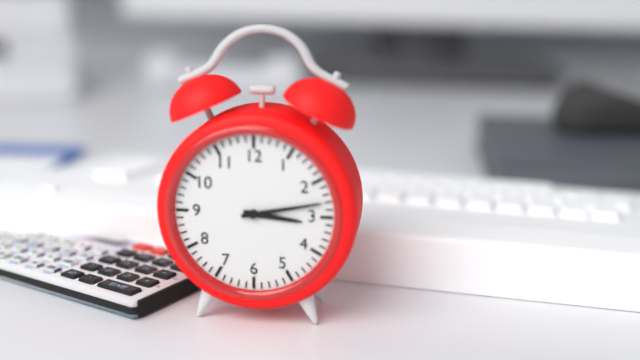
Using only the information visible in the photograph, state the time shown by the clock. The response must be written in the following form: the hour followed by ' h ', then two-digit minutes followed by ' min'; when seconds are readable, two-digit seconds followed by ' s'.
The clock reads 3 h 13 min
